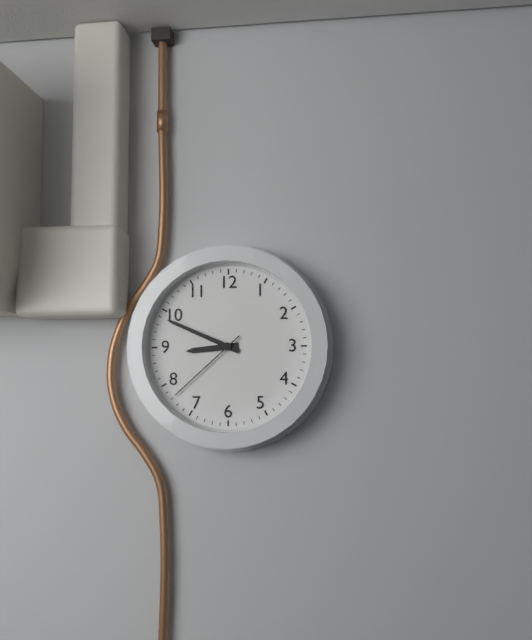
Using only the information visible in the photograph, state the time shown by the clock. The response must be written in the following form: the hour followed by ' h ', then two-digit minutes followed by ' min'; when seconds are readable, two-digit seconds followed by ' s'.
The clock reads 8 h 49 min 38 s
